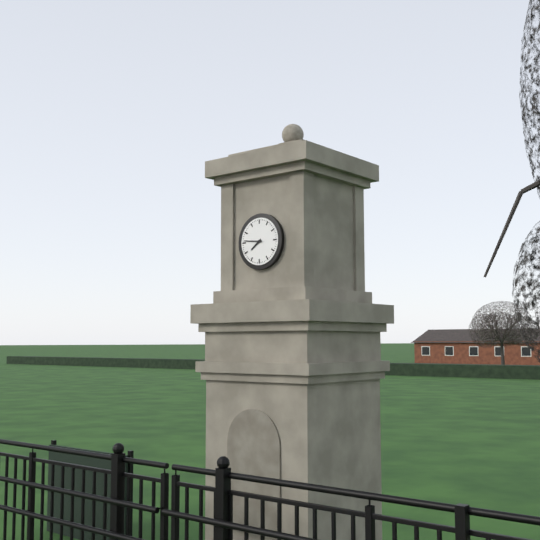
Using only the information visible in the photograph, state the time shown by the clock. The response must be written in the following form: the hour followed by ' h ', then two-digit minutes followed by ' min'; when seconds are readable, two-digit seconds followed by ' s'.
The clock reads 7 h 46 min
